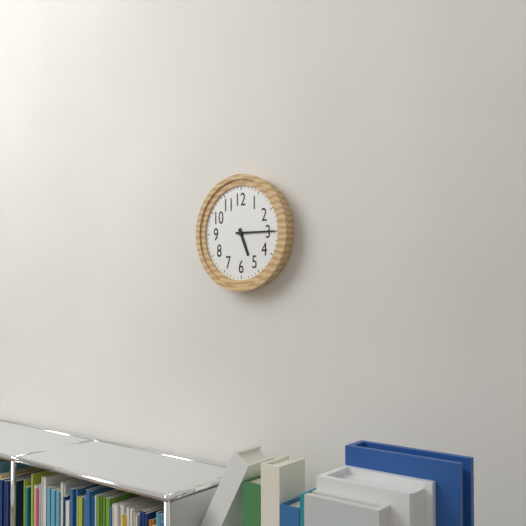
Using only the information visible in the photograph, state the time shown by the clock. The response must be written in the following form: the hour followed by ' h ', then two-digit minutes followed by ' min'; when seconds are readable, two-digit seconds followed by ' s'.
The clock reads 5 h 15 min
